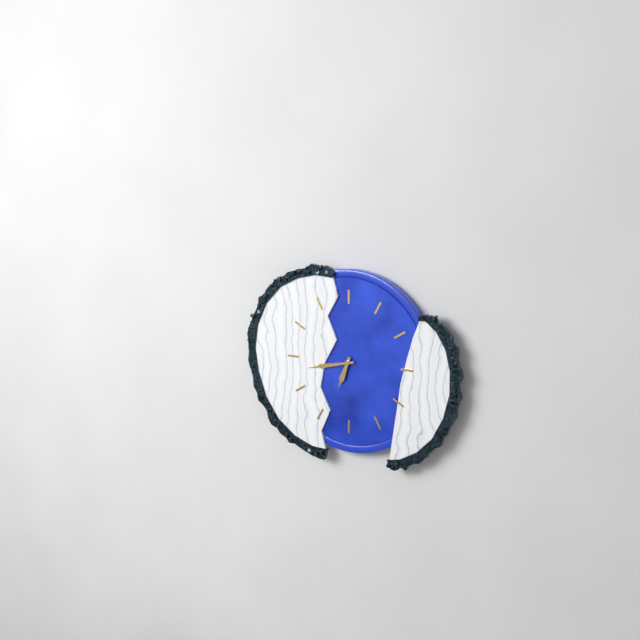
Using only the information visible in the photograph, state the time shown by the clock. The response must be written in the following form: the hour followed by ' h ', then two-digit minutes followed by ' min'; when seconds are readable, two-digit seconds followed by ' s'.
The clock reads 6 h 43 min
